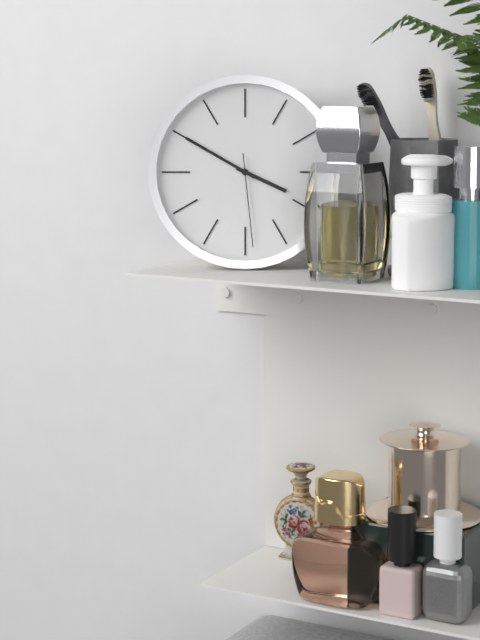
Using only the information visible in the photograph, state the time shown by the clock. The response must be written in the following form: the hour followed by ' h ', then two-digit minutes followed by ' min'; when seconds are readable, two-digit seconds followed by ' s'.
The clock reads 3 h 50 min 29 s
